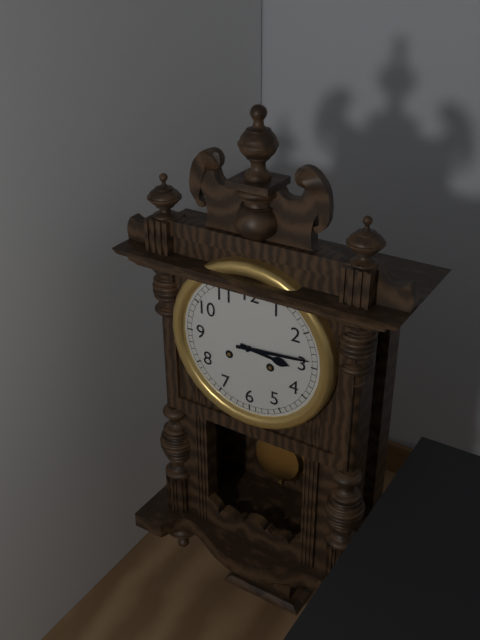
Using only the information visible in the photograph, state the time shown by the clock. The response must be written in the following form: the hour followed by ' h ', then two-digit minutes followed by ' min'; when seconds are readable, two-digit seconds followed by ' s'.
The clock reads 3 h 14 min
